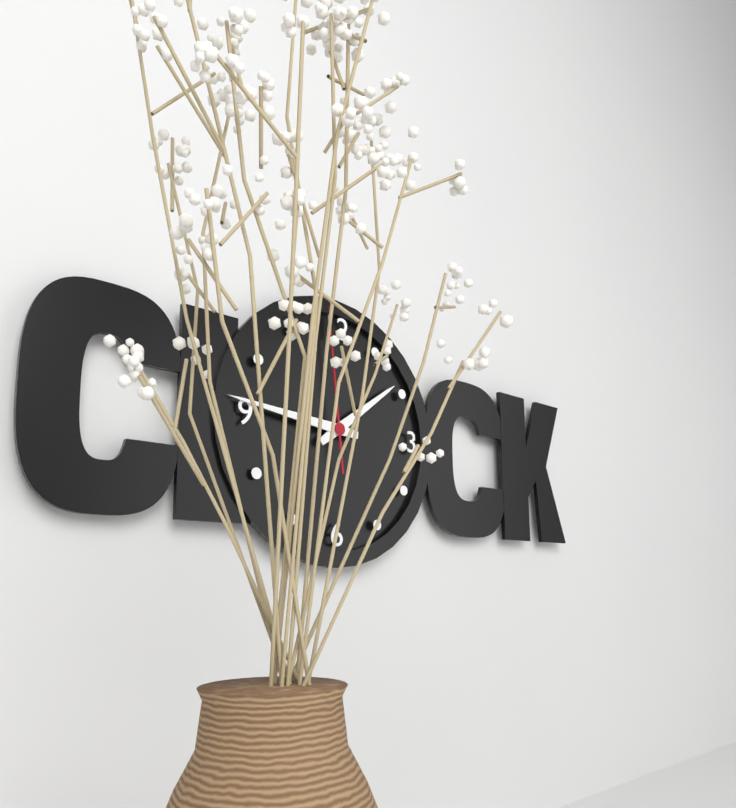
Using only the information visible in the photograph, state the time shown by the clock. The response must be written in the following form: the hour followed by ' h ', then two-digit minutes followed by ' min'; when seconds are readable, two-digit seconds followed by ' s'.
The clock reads 1 h 46 min
